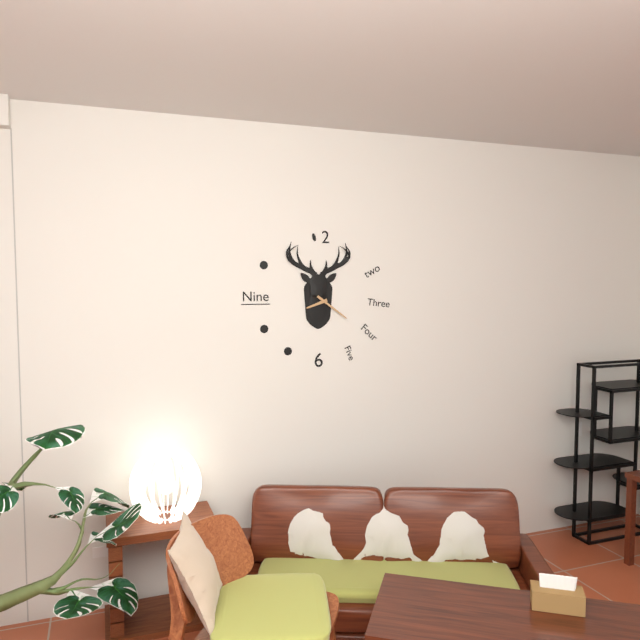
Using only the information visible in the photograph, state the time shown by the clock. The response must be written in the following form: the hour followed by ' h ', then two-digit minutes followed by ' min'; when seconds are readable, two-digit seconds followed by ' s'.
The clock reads 8 h 21 min
